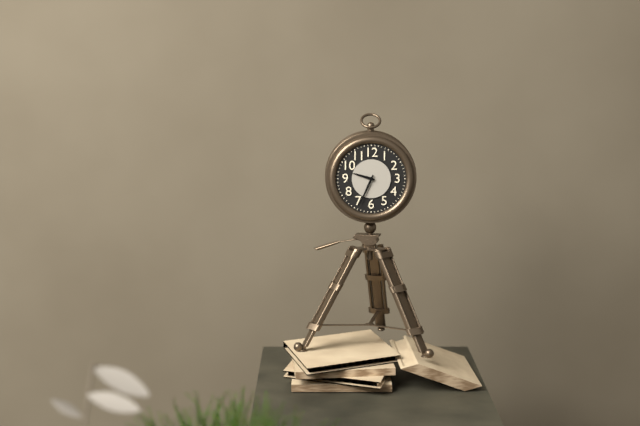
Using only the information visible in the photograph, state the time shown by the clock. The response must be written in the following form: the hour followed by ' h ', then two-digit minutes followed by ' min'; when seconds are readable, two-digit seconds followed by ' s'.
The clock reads 9 h 34 min
